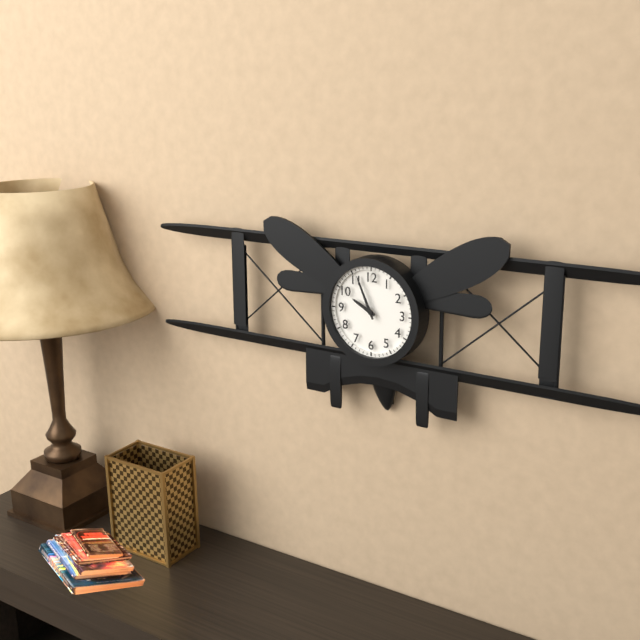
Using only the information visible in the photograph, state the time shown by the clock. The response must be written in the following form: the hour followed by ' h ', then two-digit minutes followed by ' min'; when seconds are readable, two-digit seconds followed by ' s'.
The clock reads 9 h 56 min
